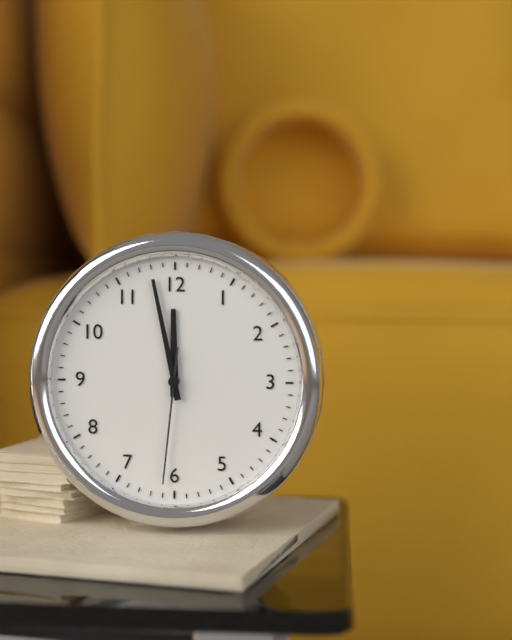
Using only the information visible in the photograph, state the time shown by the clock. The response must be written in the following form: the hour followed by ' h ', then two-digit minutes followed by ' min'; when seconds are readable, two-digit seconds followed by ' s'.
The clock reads 11 h 58 min 31 s
